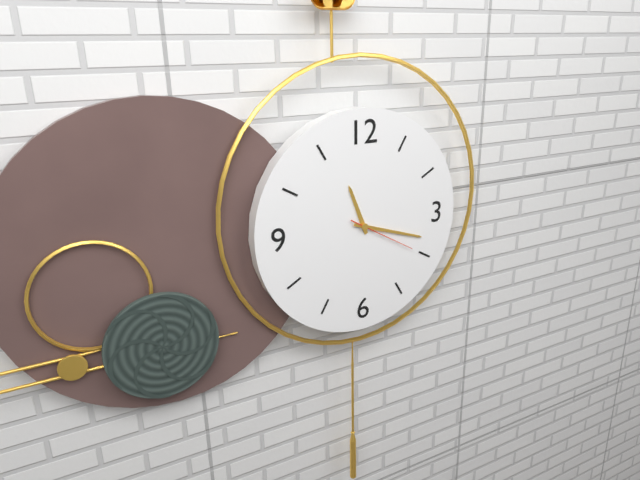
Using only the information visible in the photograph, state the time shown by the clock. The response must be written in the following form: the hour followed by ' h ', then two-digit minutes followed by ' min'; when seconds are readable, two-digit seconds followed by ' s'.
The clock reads 11 h 18 min 20 s
